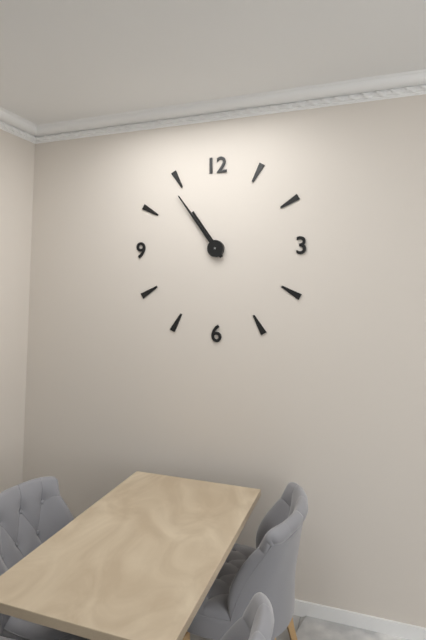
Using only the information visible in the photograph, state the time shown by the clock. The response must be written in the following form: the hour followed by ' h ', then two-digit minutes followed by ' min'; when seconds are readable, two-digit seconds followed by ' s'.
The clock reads 10 h 54 min
